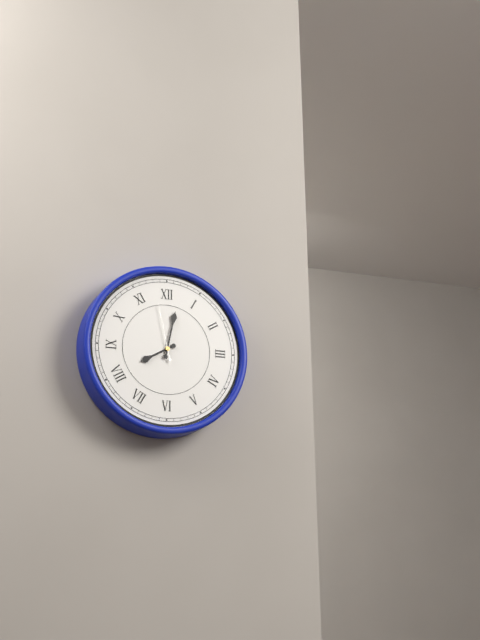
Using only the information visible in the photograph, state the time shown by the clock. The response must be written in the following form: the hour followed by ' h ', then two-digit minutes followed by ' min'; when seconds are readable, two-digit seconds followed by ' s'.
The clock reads 8 h 02 min 58 s
